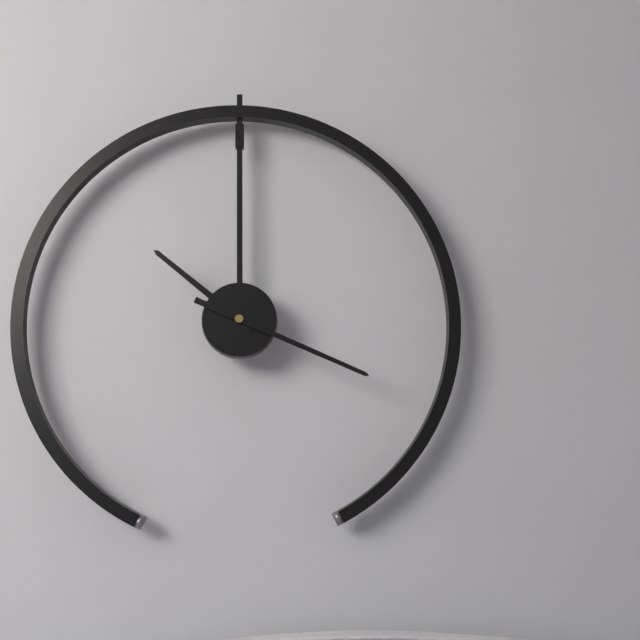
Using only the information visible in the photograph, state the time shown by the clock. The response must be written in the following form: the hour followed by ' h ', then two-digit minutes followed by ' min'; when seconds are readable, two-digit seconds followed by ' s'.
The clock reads 10 h 19 min
